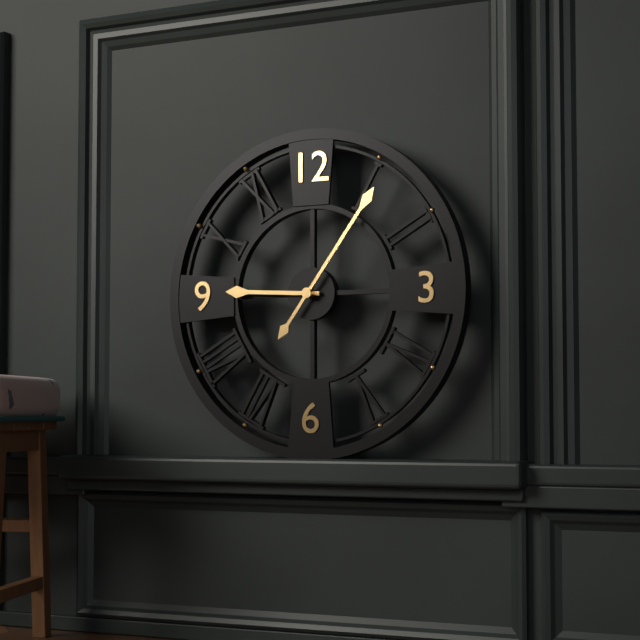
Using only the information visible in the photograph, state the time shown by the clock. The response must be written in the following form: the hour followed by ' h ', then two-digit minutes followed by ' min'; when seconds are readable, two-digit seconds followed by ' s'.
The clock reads 9 h 06 min
